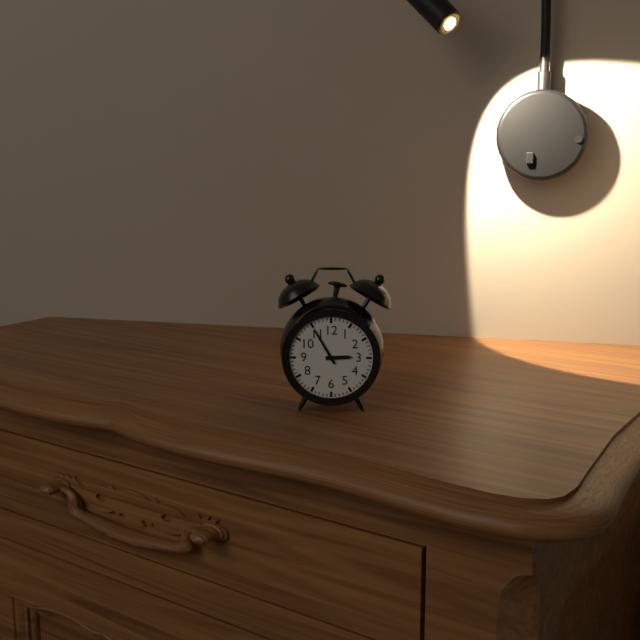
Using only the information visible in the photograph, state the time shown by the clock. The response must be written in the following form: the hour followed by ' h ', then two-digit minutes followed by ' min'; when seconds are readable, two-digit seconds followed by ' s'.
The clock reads 2 h 55 min
